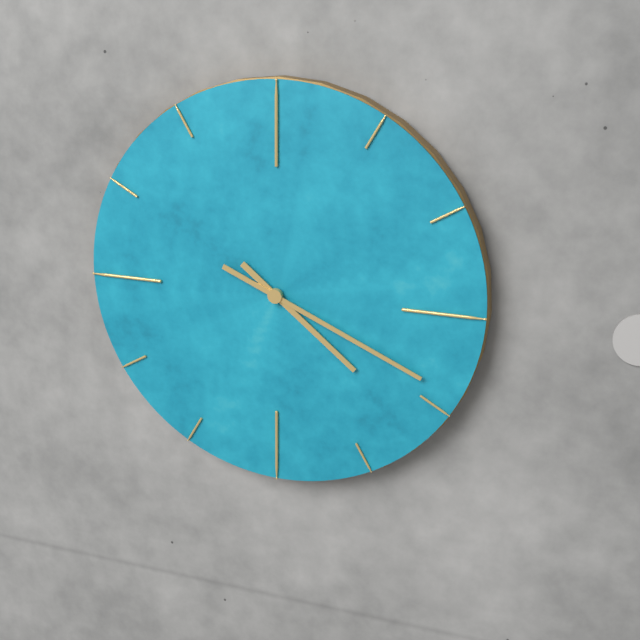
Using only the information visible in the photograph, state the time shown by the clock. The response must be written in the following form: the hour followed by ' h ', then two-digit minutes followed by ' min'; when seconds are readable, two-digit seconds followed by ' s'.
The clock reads 4 h 19 min
